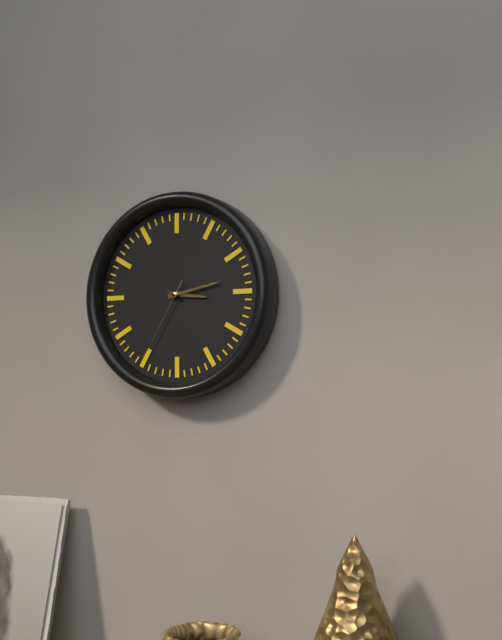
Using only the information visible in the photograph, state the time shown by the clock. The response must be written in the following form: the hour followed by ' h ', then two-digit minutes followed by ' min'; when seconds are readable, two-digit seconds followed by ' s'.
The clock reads 3 h 13 min 35 s
